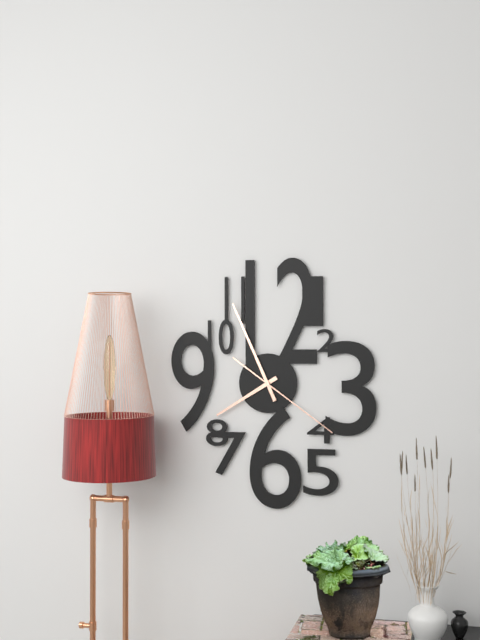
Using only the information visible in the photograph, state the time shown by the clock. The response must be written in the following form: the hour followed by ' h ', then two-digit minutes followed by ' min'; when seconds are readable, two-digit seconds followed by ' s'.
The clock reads 7 h 56 min 21 s
